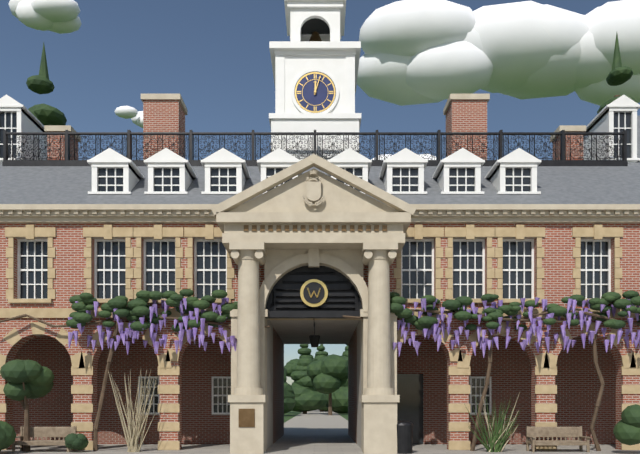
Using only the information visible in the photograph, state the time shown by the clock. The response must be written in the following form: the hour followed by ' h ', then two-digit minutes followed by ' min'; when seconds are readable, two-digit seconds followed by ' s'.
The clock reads 12 h 03 min
